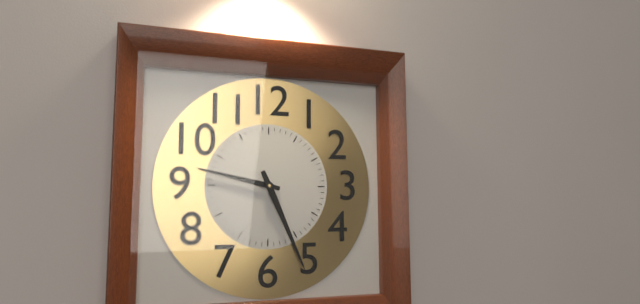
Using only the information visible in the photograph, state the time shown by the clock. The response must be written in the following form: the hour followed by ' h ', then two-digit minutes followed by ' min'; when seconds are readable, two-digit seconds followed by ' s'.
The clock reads 9 h 26 min
